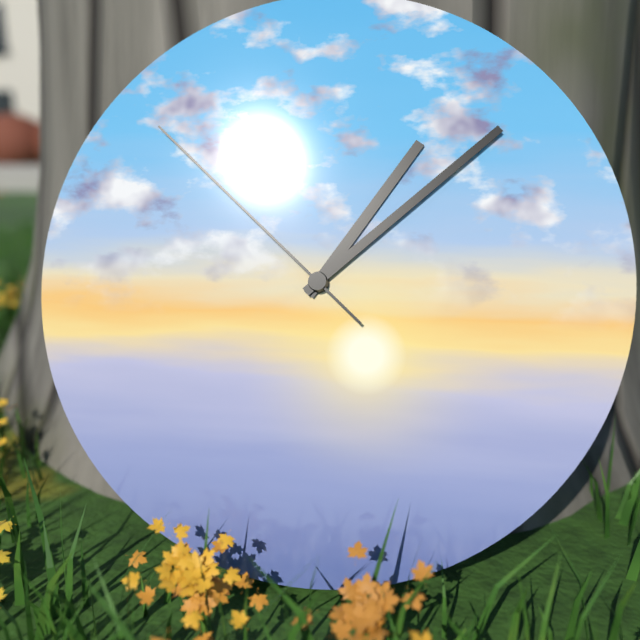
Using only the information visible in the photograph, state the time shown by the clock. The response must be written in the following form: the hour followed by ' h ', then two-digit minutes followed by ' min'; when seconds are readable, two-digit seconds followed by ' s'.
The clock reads 1 h 08 min 52 s
